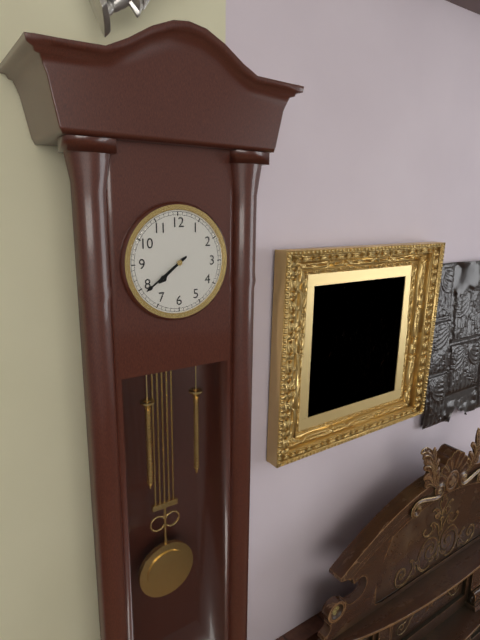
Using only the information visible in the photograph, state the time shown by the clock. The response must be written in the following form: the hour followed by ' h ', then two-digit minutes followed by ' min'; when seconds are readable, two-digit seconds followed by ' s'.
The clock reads 7 h 39 min
